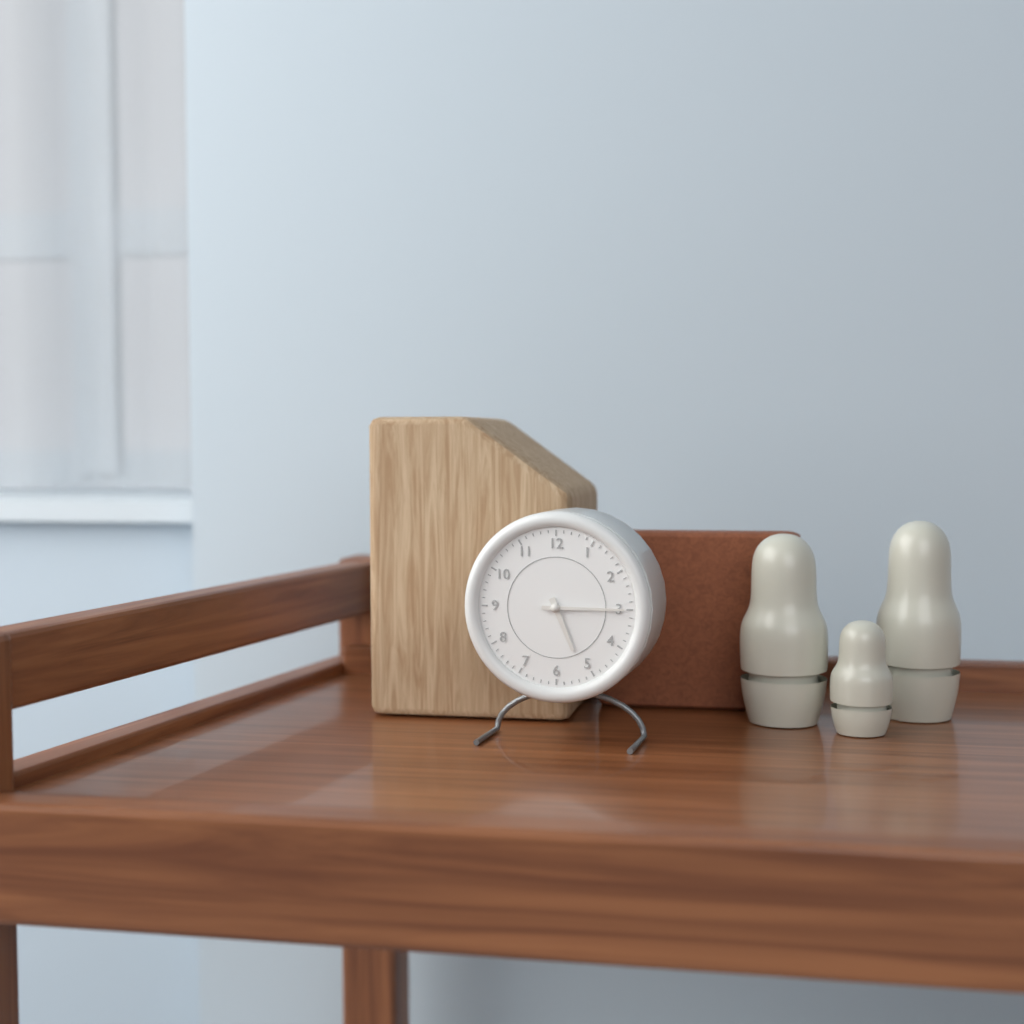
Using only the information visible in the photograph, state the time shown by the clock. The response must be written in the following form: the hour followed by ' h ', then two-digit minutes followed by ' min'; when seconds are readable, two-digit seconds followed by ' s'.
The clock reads 5 h 15 min
